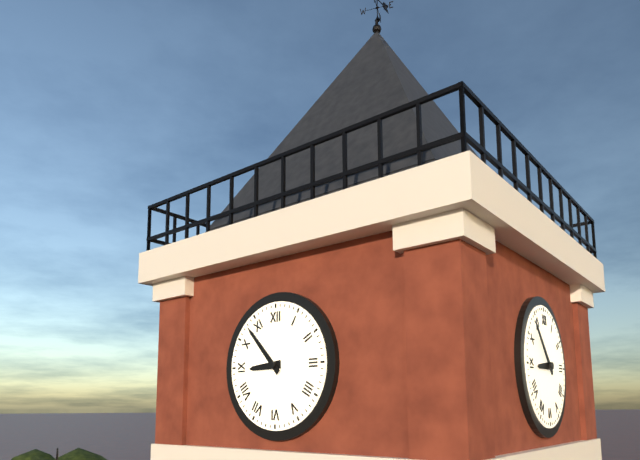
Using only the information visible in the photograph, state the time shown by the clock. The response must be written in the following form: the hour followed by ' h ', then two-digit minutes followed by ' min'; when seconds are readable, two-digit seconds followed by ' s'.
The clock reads 8 h 53 min
